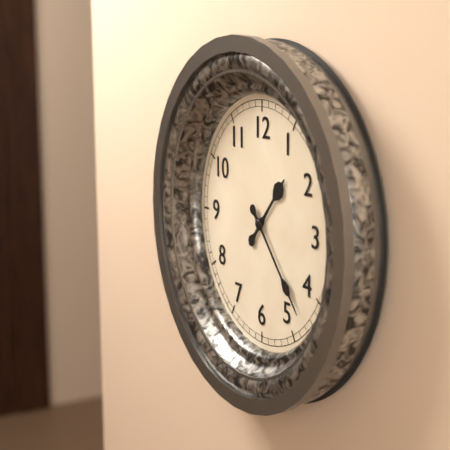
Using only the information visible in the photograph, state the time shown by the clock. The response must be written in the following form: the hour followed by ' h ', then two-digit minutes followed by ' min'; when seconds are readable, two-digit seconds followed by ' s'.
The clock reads 1 h 23 min
